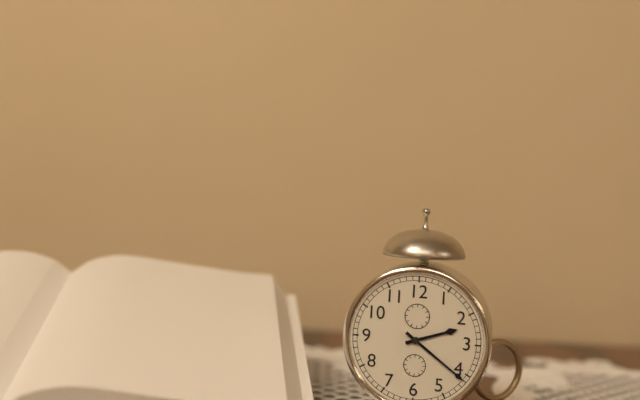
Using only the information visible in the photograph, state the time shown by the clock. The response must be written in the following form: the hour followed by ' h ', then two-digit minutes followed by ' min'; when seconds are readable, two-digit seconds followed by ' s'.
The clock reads 2 h 21 min
